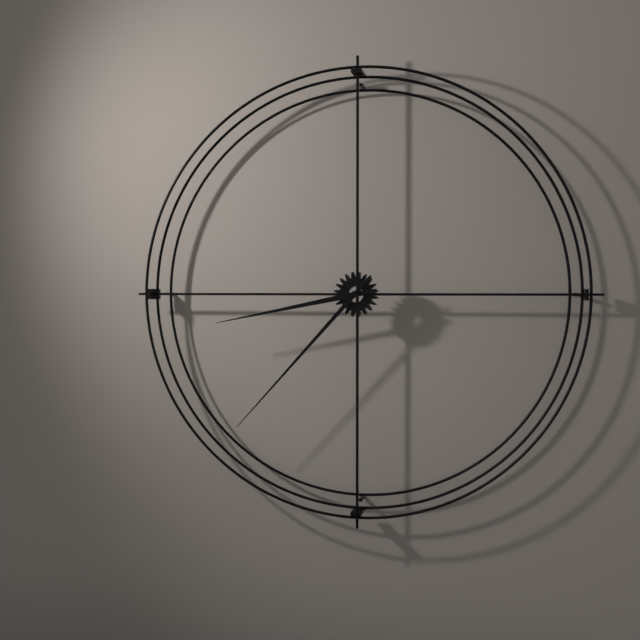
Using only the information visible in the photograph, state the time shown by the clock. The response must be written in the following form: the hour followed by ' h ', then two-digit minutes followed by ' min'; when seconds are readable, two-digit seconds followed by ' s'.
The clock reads 8 h 37 min
